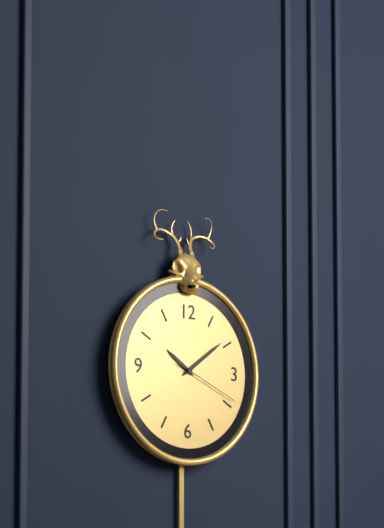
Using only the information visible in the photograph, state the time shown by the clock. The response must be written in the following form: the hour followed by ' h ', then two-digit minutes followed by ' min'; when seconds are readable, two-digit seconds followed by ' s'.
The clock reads 10 h 09 min 19 s
